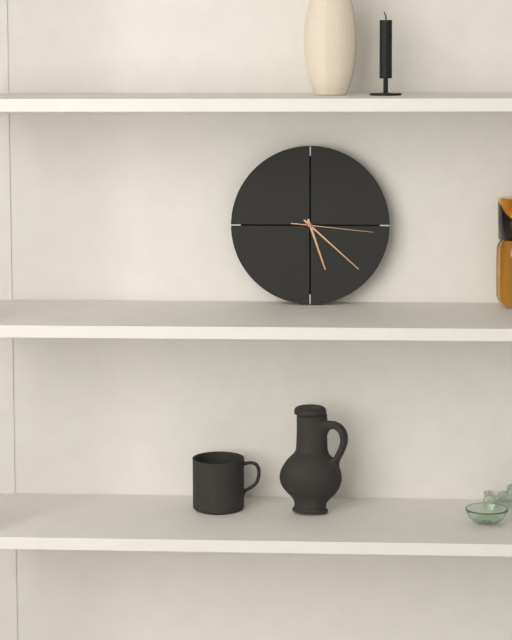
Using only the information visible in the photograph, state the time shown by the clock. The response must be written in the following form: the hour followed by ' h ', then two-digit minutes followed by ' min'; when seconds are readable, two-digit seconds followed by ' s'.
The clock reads 5 h 22 min 16 s
